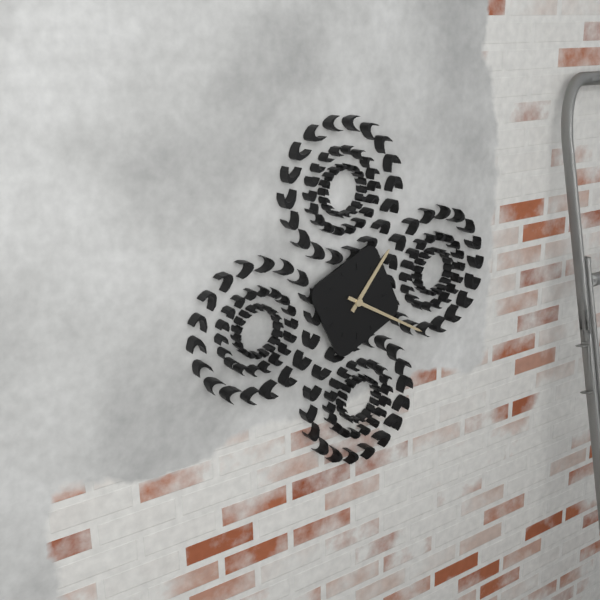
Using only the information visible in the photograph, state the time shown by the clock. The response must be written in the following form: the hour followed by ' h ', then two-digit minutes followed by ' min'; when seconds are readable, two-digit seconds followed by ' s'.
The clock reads 1 h 20 min
